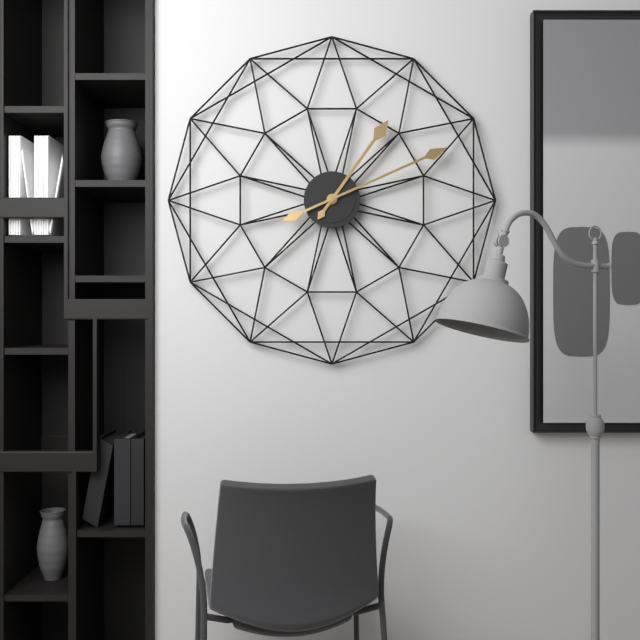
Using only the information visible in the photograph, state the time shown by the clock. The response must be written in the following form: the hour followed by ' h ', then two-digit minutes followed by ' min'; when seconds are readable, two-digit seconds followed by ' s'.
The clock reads 1 h 11 min
